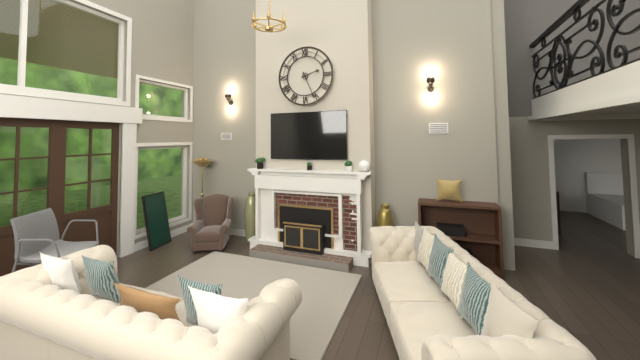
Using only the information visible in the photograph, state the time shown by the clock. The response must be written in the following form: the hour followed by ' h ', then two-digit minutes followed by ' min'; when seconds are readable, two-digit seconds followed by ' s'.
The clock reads 2 h 26 min
